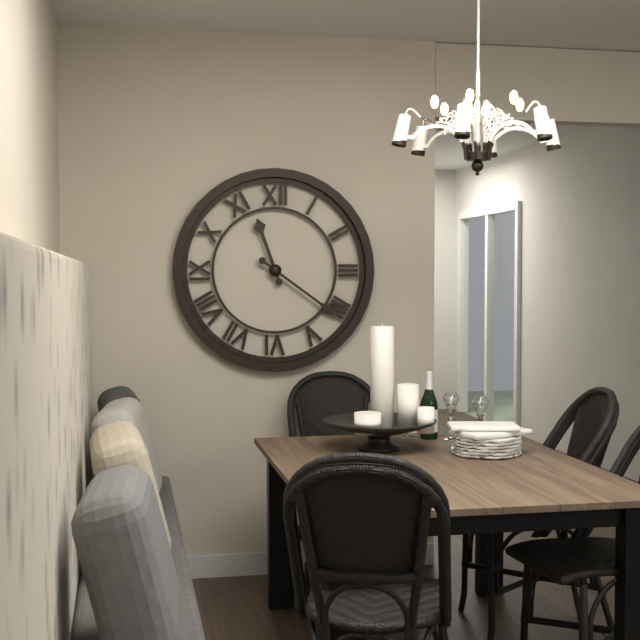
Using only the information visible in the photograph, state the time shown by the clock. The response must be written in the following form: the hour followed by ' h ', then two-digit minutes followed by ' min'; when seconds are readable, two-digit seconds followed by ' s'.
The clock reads 11 h 21 min
